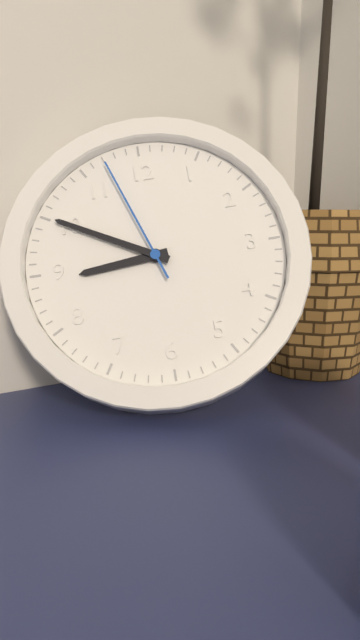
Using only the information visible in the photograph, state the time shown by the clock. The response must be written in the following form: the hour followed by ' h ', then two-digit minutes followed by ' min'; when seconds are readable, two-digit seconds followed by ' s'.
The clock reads 8 h 50 min 57 s
